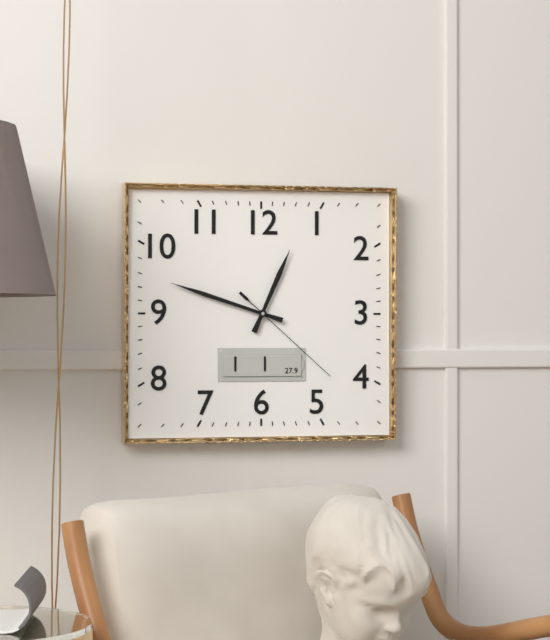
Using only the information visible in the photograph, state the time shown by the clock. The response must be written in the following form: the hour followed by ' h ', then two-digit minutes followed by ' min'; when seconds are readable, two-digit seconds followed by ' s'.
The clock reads 12 h 48 min 22 s
